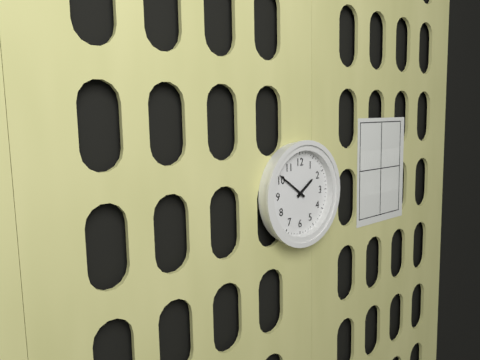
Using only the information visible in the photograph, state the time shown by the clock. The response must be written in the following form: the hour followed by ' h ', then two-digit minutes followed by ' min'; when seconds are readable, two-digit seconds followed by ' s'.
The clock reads 1 h 51 min
